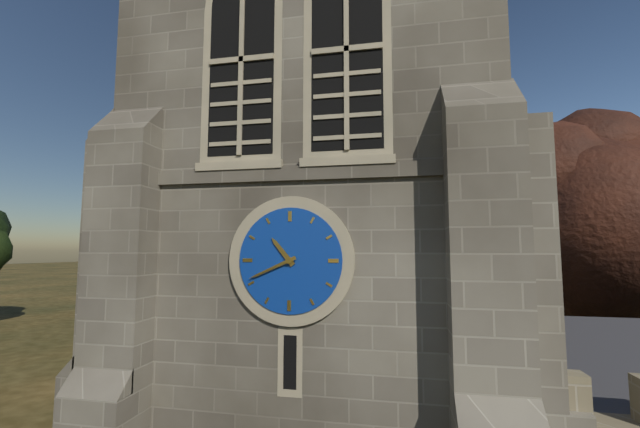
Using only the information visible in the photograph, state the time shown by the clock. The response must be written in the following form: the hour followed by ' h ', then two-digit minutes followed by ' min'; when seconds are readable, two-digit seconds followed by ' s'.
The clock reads 10 h 41 min
